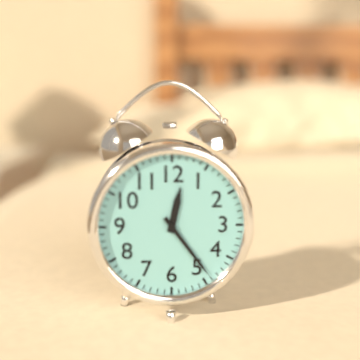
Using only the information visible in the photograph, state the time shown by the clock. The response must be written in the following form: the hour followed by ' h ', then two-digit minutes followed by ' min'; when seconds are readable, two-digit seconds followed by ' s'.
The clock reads 12 h 24 min
